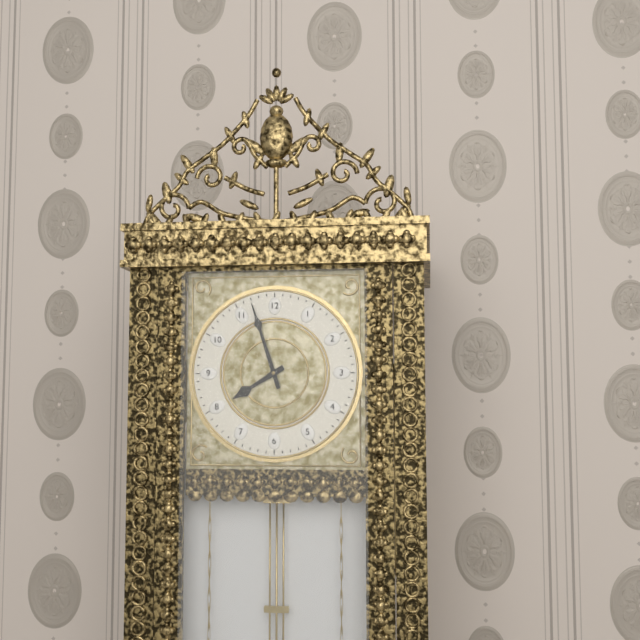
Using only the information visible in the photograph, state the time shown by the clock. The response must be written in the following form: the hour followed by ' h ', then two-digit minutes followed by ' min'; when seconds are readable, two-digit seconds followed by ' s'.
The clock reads 7 h 57 min
